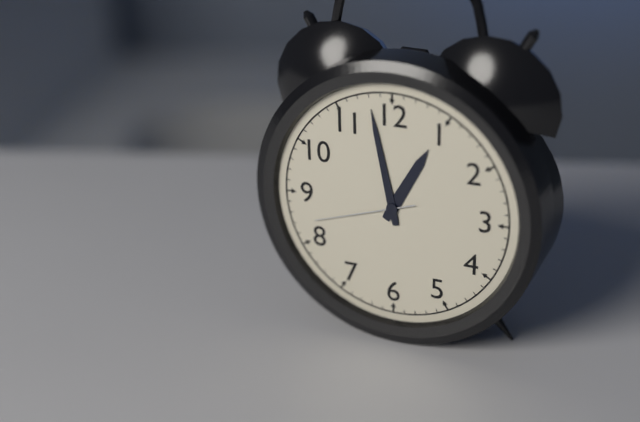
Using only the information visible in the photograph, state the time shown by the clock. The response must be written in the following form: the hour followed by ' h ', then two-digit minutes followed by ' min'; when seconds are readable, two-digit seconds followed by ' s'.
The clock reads 12 h 58 min 42 s
